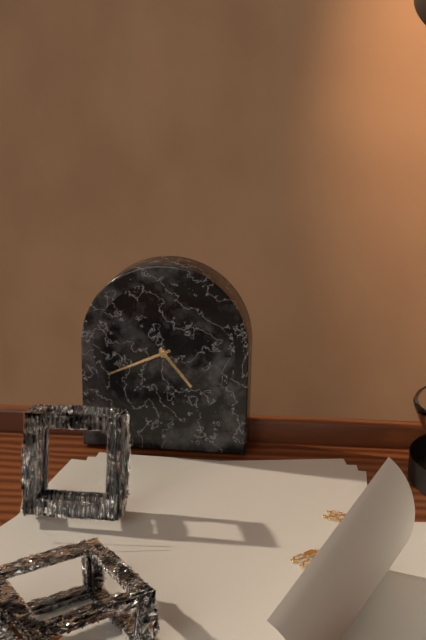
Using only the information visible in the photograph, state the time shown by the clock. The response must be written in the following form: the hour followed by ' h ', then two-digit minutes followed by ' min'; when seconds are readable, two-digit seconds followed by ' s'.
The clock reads 4 h 41 min
